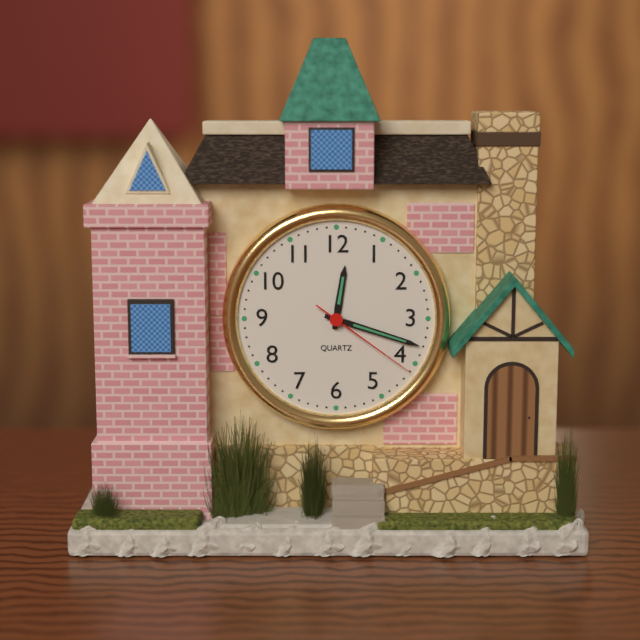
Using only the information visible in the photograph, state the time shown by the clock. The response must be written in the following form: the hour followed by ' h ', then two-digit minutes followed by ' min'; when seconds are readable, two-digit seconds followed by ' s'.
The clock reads 12 h 18 min 21 s
